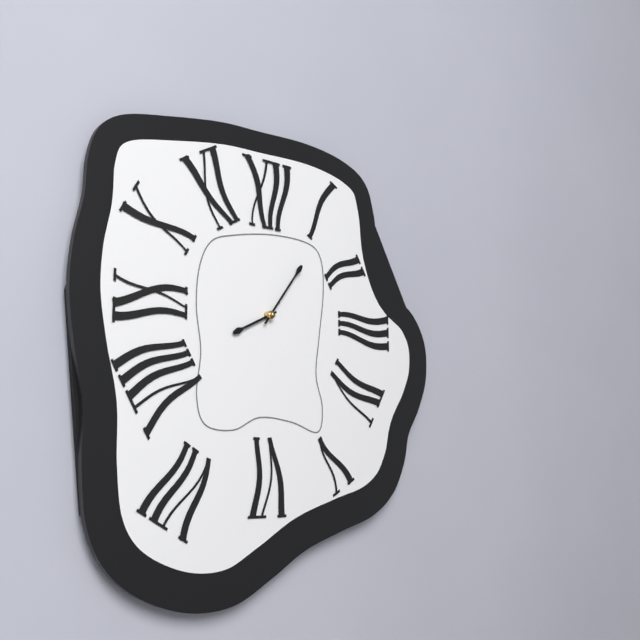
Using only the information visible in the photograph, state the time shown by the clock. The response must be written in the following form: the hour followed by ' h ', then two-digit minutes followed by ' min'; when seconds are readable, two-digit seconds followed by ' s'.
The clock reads 8 h 06 min
